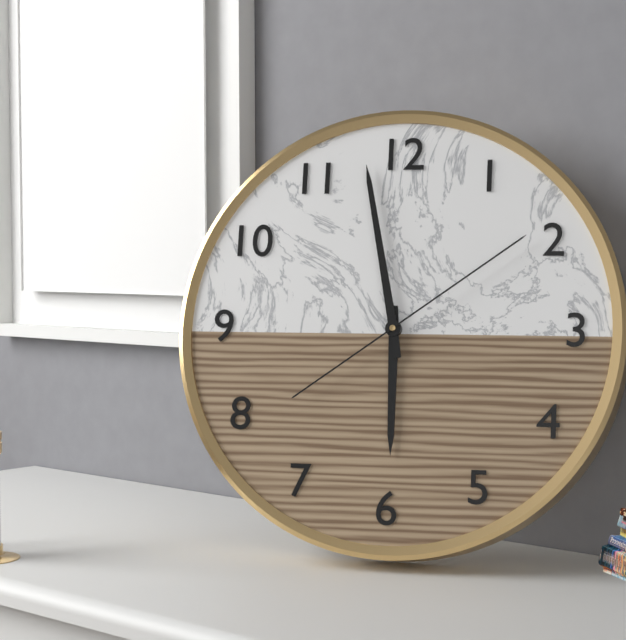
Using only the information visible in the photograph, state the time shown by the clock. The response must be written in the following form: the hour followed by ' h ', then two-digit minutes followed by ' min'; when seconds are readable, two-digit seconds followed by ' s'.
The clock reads 5 h 58 min 09 s
